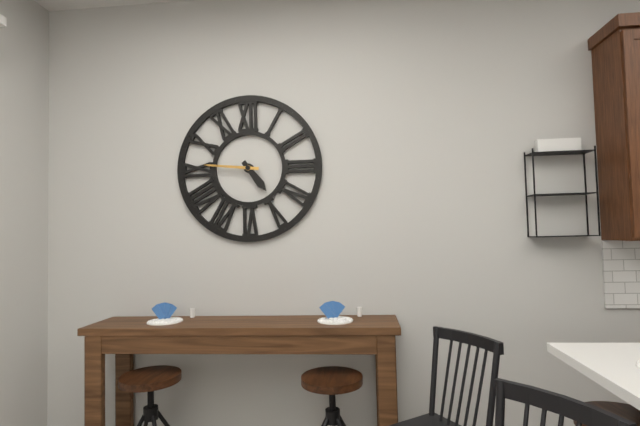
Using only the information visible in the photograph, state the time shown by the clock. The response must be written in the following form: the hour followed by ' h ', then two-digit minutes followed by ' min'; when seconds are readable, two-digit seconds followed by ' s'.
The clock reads 4 h 46 min
